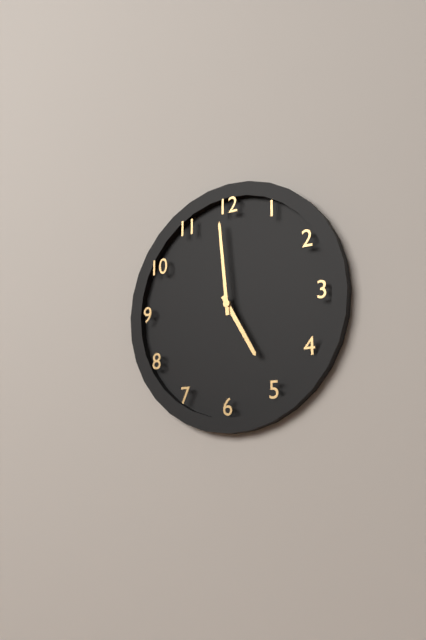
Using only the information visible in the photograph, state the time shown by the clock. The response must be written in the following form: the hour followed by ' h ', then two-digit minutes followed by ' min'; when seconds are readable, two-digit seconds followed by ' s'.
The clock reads 4 h 59 min
